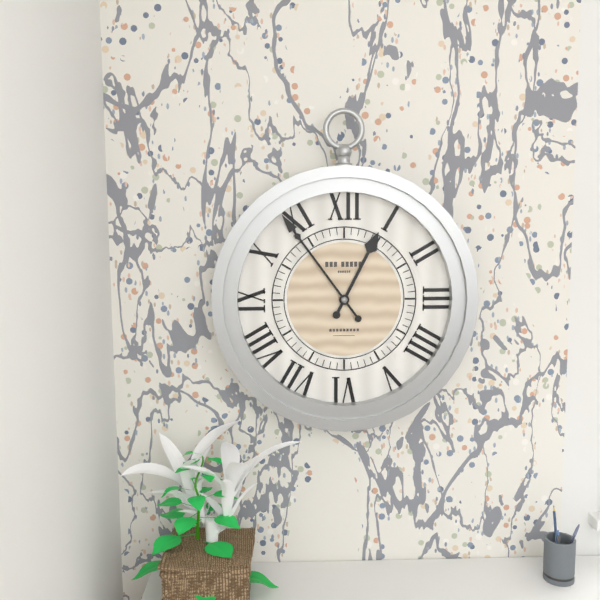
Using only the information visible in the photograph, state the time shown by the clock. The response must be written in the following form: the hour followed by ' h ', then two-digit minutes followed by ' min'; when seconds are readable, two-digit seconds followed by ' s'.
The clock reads 12 h 54 min
